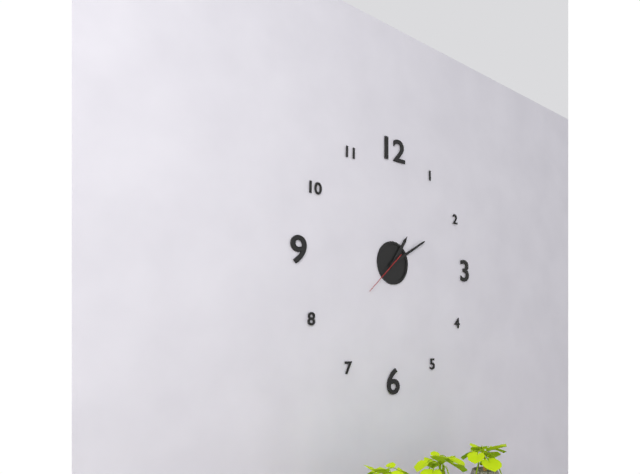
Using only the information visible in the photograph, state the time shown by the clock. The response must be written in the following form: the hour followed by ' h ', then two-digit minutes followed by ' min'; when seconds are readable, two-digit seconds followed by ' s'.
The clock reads 1 h 10 min
